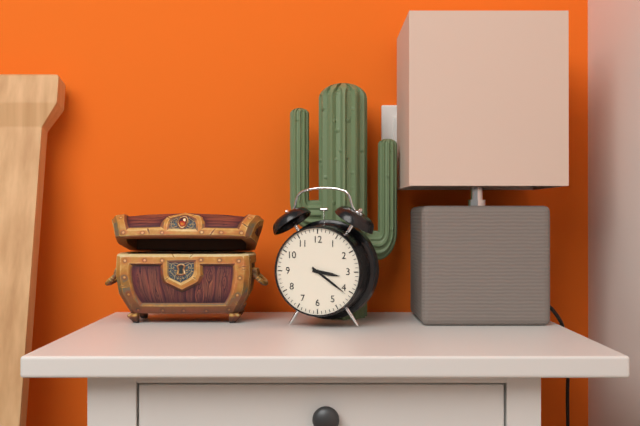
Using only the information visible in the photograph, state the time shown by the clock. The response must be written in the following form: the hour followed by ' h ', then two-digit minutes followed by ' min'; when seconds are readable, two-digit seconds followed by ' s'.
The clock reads 3 h 21 min
